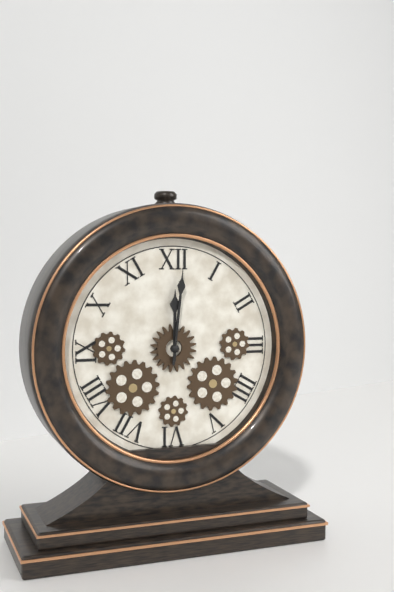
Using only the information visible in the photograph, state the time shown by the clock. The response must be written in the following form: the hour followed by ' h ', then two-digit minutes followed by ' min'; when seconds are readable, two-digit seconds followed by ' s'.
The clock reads 12 h 01 min
